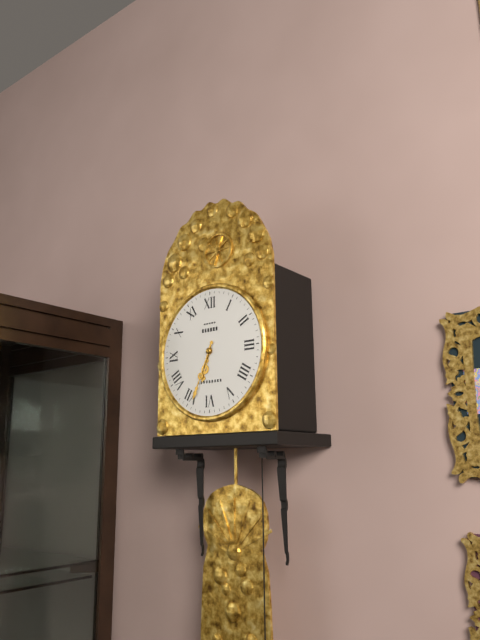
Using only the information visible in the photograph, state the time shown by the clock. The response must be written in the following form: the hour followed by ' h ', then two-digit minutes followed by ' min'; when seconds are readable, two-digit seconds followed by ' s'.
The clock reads 6 h 34 min
